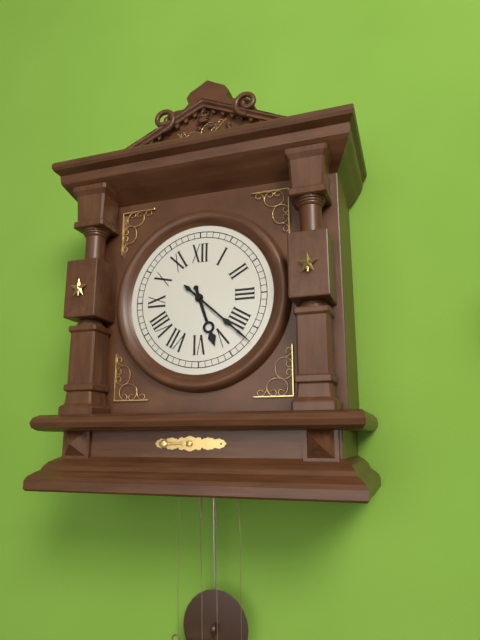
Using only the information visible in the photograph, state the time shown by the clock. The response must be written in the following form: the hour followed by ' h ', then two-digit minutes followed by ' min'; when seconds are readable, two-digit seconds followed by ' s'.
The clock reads 5 h 22 min
